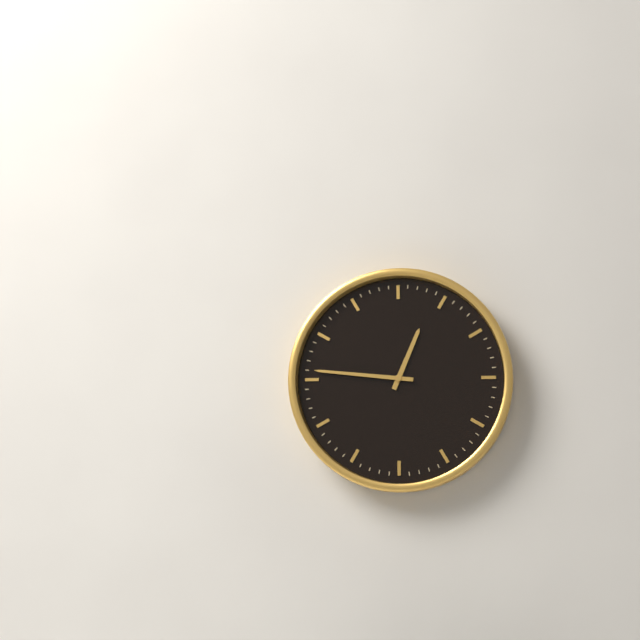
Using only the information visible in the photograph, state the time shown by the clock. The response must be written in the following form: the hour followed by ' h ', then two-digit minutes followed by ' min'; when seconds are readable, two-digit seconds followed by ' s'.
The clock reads 12 h 46 min
